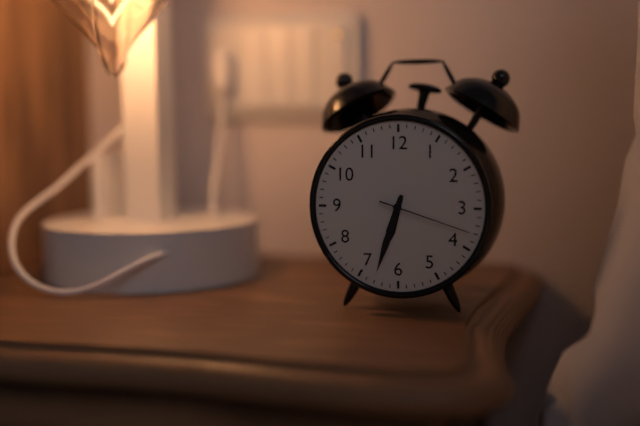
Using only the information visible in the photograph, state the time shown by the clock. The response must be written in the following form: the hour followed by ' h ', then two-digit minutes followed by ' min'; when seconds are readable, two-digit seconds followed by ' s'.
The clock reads 6 h 33 min 18 s
